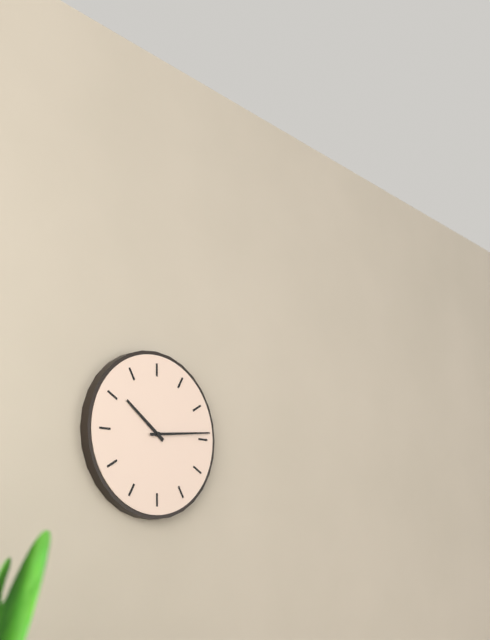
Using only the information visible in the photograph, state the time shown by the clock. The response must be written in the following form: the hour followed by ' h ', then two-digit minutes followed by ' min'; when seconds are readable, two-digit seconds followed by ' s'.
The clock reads 10 h 14 min
